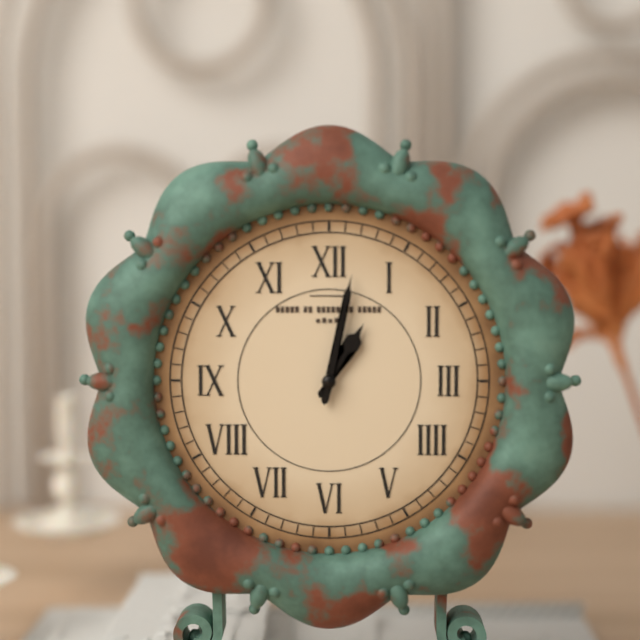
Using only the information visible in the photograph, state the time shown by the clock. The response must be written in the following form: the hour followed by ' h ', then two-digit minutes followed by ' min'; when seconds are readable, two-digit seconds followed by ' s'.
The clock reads 1 h 02 min
